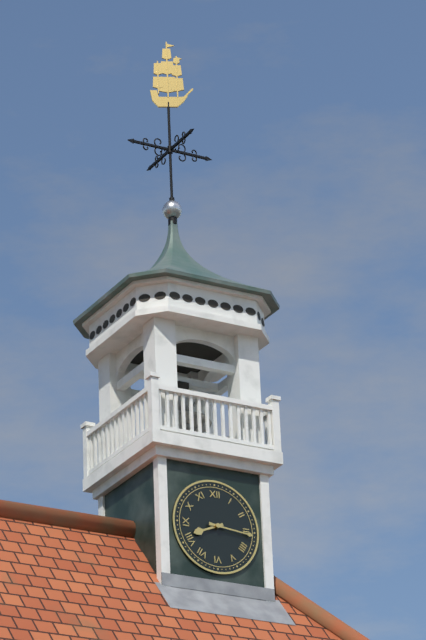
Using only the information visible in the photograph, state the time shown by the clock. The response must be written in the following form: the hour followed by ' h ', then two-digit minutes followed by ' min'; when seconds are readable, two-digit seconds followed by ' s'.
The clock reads 8 h 16 min
